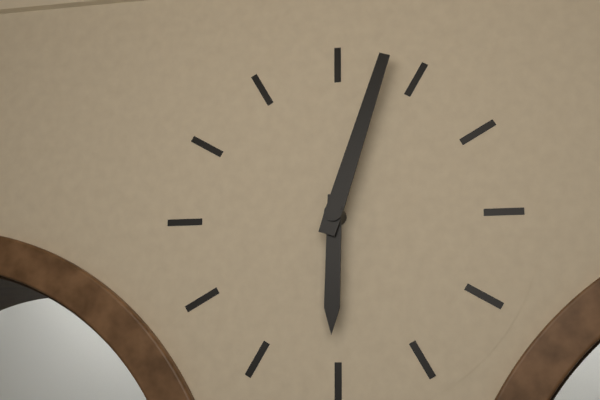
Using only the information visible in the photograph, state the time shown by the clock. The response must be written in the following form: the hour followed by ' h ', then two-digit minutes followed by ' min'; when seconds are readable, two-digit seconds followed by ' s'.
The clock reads 6 h 03 min
